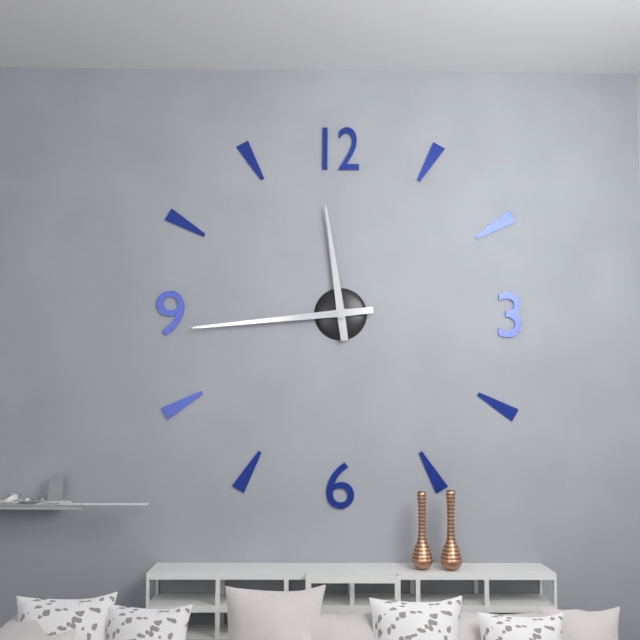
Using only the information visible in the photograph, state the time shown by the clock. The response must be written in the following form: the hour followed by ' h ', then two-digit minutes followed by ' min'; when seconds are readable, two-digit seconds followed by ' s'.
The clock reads 11 h 44 min
